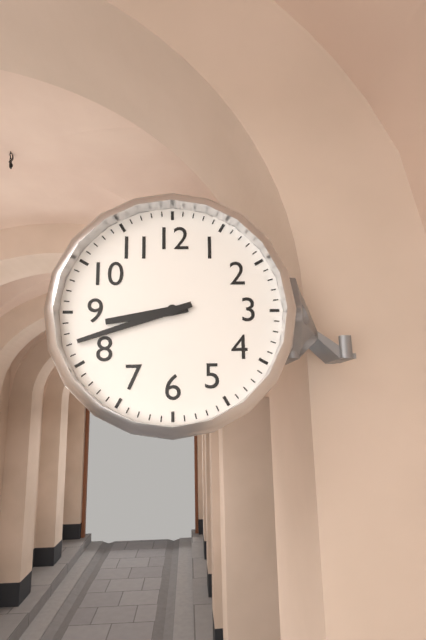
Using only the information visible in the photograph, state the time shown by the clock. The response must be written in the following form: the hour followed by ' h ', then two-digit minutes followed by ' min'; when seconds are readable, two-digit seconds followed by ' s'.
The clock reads 8 h 42 min
